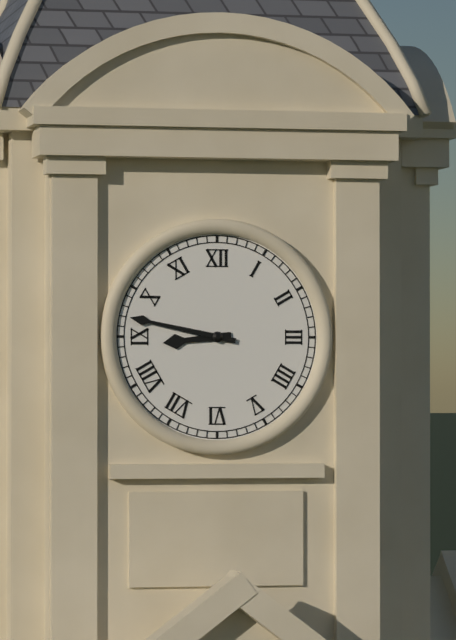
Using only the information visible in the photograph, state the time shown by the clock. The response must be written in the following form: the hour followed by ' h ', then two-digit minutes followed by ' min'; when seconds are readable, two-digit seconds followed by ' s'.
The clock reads 8 h 47 min
